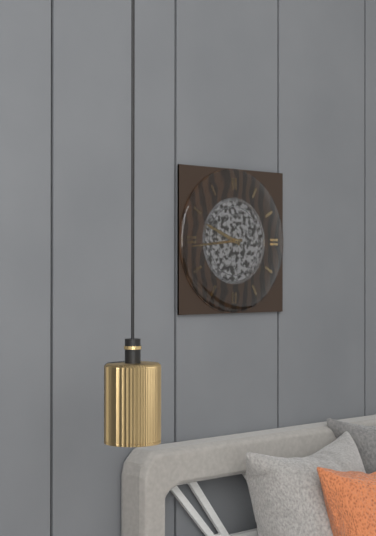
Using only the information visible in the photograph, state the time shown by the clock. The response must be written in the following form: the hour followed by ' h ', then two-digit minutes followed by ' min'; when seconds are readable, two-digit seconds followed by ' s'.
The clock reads 9 h 44 min
